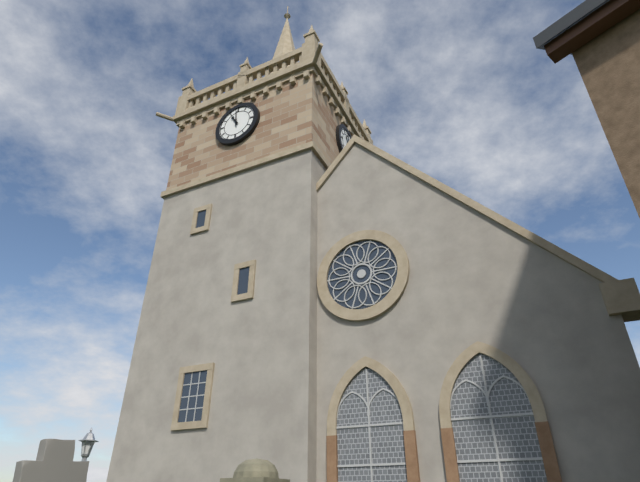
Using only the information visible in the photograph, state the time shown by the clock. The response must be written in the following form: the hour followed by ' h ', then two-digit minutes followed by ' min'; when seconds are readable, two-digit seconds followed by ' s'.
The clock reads 10 h 59 min
